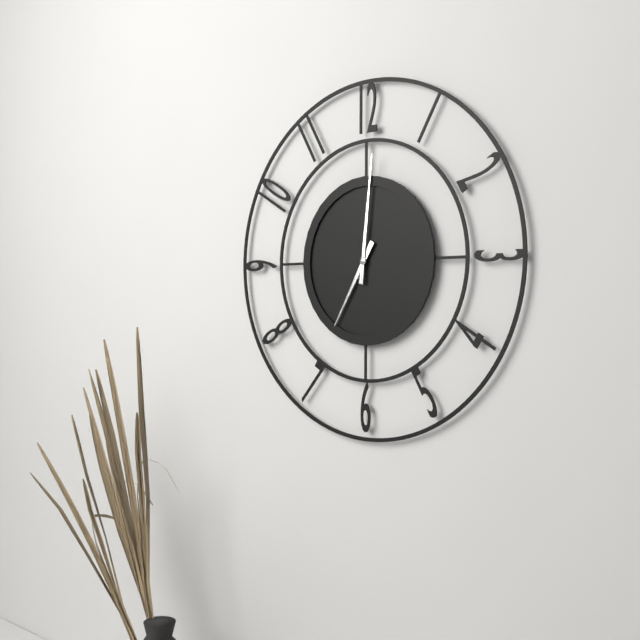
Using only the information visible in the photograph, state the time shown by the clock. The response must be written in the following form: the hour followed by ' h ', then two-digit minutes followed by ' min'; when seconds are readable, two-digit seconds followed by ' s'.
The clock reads 7 h 01 min
